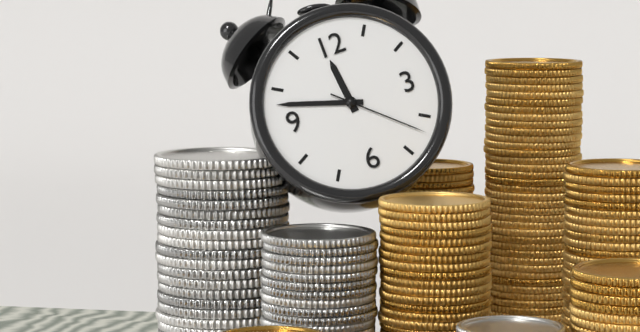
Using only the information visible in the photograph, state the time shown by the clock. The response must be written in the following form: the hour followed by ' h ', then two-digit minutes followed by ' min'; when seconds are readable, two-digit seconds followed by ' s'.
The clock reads 11 h 48 min 22 s
